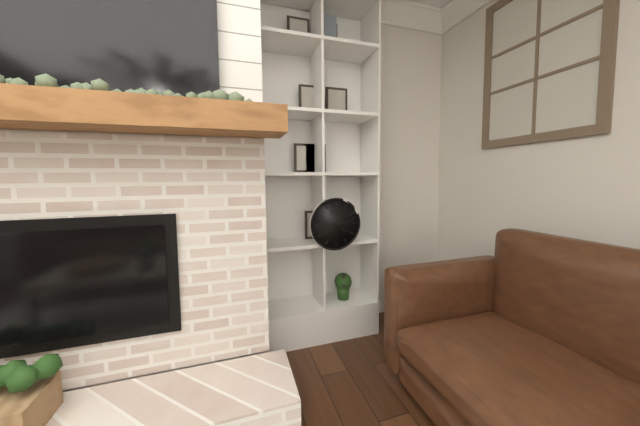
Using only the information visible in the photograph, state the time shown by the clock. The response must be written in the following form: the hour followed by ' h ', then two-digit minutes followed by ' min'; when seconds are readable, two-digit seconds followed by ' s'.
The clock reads 4 h 13 min
